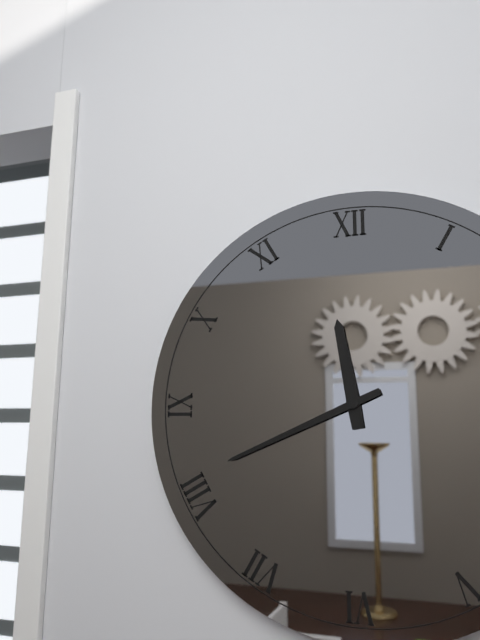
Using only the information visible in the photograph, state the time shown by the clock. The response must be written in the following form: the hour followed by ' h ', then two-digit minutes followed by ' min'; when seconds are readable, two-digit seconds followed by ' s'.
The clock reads 11 h 41 min
